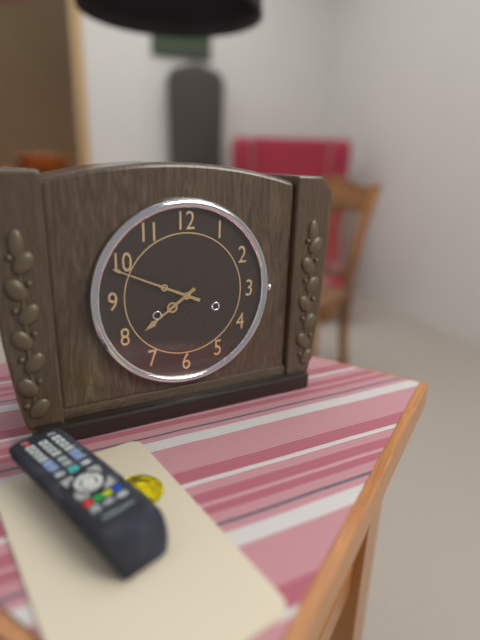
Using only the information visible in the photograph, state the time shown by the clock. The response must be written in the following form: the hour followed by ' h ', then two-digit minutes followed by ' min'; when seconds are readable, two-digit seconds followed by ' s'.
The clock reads 7 h 49 min
